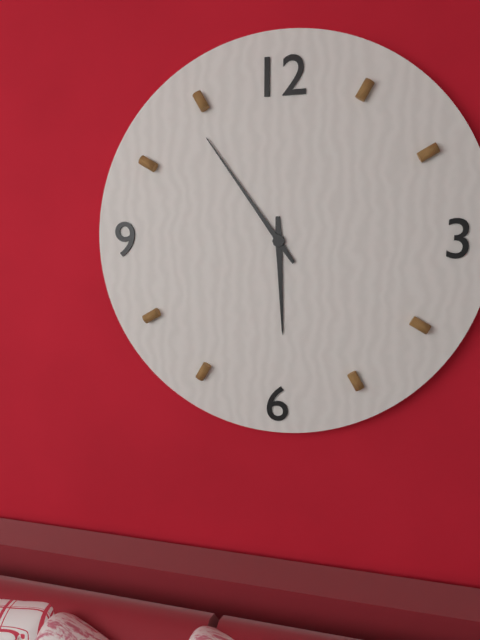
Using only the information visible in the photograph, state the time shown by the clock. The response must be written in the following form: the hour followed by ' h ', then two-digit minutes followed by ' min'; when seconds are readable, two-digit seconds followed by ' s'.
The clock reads 5 h 54 min
